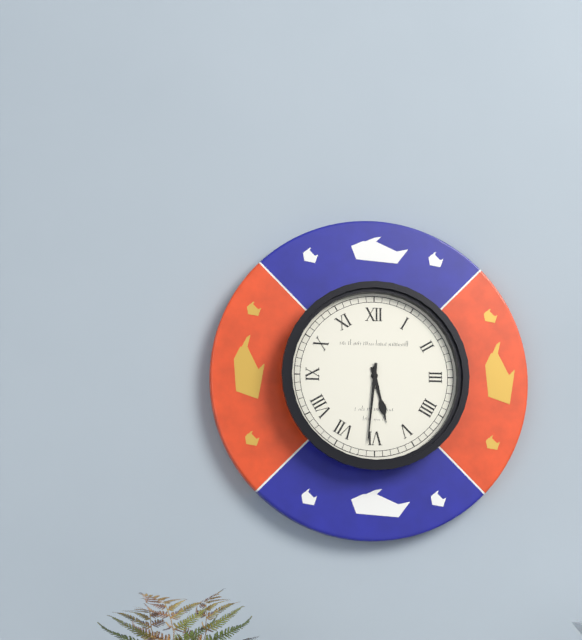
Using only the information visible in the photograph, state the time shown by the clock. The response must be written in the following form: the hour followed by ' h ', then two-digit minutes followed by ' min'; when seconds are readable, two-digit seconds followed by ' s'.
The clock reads 5 h 31 min
